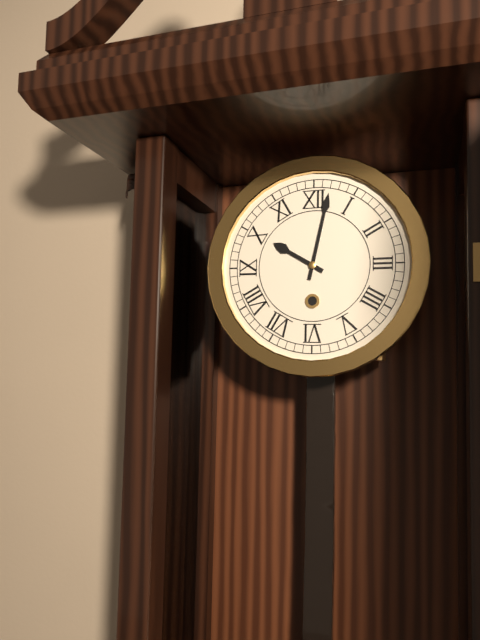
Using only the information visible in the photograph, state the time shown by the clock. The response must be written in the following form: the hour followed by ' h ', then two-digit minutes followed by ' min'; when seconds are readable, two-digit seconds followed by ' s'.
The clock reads 10 h 02 min
